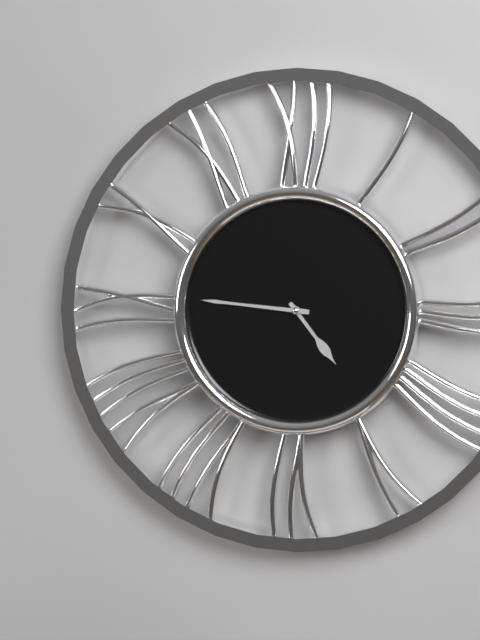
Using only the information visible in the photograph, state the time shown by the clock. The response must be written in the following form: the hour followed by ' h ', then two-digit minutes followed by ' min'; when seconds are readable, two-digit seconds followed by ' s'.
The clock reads 4 h 46 min
